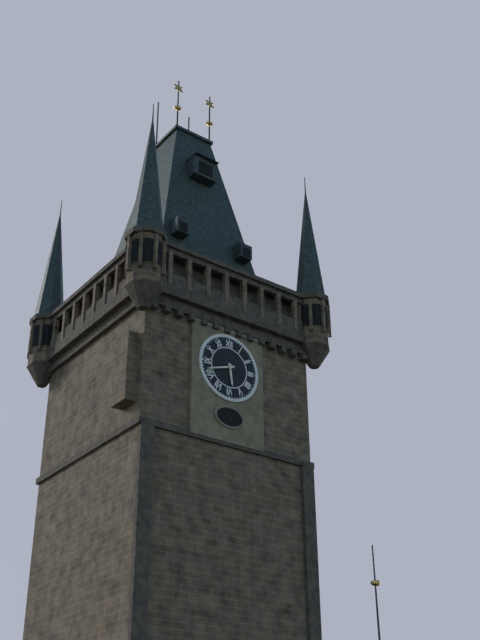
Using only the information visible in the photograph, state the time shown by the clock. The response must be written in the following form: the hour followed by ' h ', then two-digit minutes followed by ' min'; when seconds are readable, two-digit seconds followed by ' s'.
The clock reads 5 h 42 min
